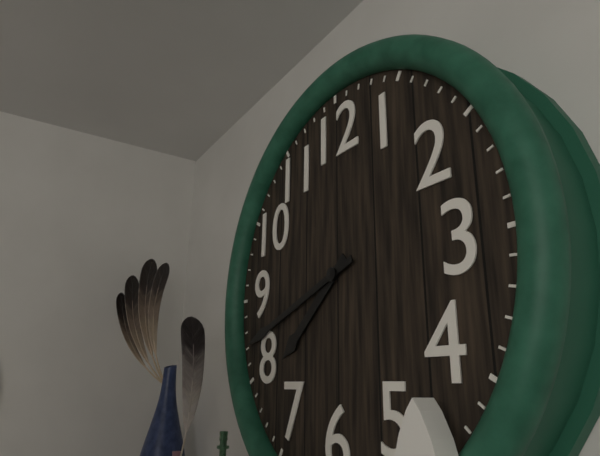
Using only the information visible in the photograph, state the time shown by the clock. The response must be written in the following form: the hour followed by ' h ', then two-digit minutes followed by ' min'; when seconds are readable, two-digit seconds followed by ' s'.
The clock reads 7 h 42 min
